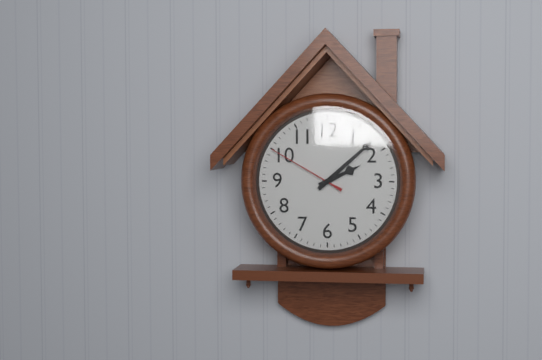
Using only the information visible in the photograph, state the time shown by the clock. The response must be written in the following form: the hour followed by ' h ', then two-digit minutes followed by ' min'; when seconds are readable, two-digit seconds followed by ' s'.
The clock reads 2 h 08 min 50 s
